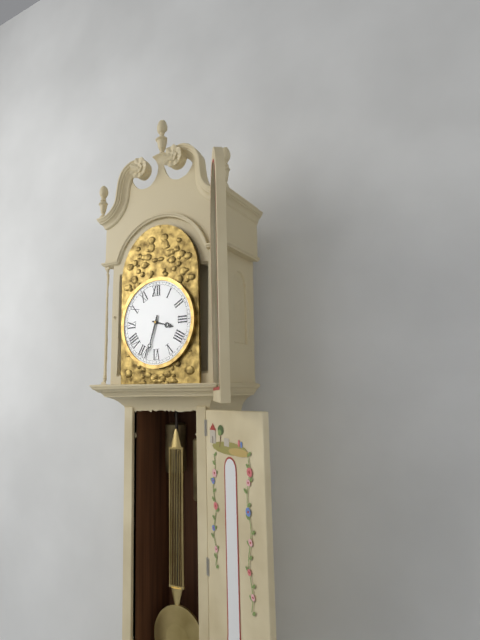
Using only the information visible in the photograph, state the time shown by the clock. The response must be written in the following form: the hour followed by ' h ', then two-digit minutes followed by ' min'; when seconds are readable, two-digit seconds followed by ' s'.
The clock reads 3 h 33 min
